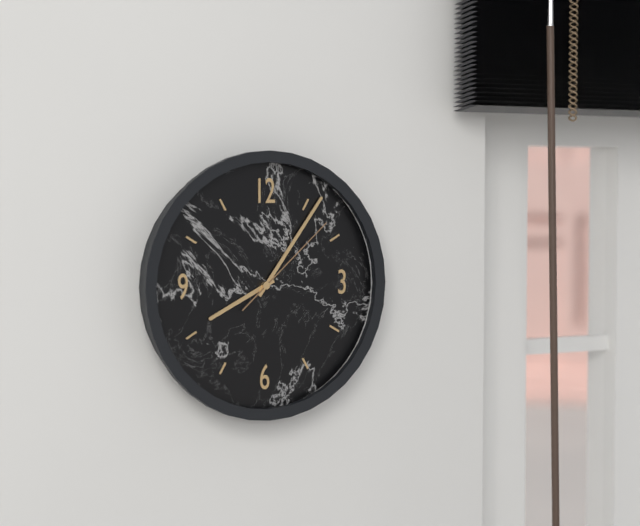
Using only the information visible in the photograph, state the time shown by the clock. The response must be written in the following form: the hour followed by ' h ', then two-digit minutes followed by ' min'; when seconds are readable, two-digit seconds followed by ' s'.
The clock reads 8 h 06 min 08 s
